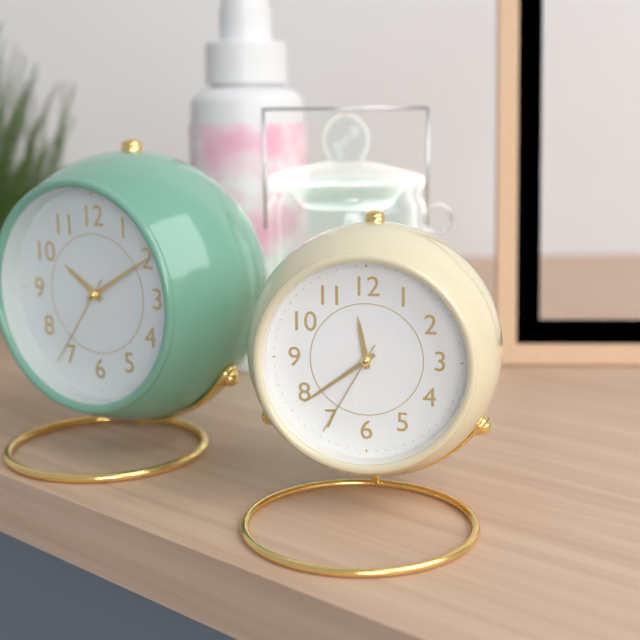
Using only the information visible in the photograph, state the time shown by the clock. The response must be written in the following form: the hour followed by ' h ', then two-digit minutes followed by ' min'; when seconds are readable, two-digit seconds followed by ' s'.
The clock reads 11 h 39 min 35 s
